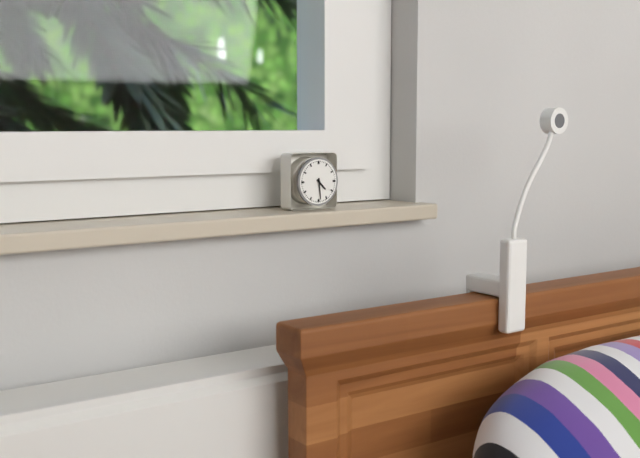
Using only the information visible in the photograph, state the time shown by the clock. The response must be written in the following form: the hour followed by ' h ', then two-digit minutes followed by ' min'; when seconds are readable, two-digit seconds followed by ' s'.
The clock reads 4 h 29 min
